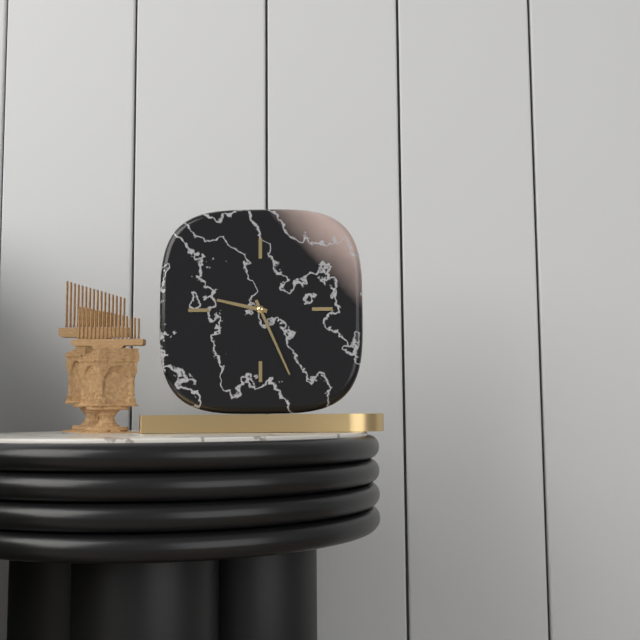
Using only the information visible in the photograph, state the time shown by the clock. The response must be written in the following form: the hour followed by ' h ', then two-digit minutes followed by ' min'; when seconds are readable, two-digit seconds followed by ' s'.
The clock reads 9 h 26 min
